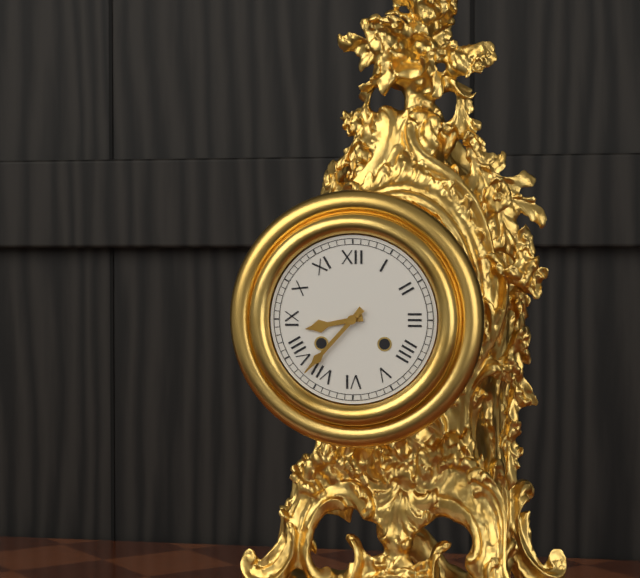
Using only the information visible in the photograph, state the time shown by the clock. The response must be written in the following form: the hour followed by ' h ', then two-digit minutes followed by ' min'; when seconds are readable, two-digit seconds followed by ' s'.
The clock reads 8 h 37 min
